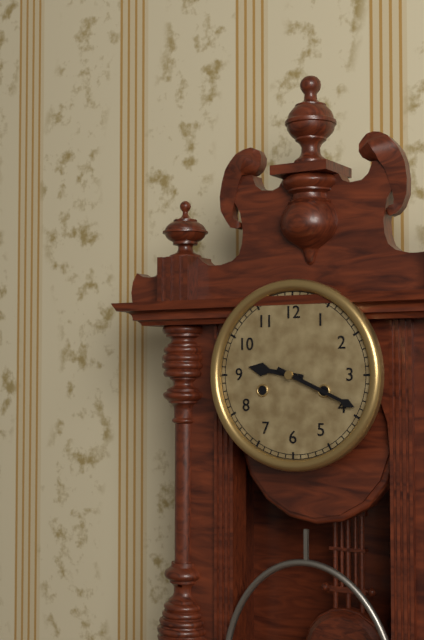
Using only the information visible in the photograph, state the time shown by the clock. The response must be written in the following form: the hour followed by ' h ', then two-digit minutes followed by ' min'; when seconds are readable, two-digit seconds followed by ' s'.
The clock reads 9 h 19 min
